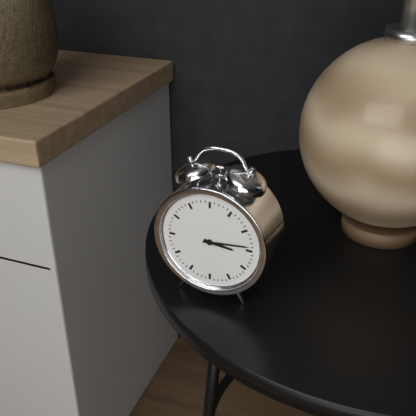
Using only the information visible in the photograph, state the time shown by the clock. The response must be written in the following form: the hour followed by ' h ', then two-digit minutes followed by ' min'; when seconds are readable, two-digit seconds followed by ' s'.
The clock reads 3 h 14 min
